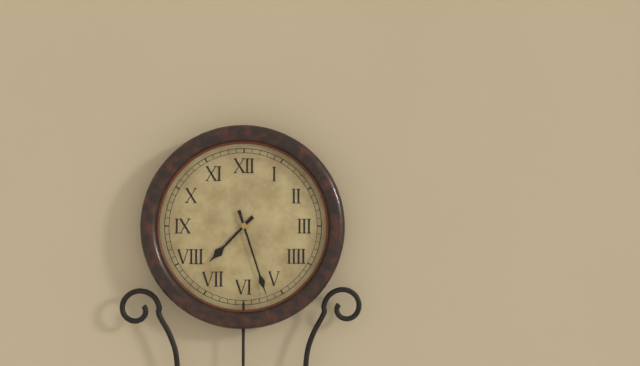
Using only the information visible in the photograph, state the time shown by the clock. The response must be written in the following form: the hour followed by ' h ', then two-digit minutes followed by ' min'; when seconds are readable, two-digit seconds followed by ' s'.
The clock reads 7 h 27 min
